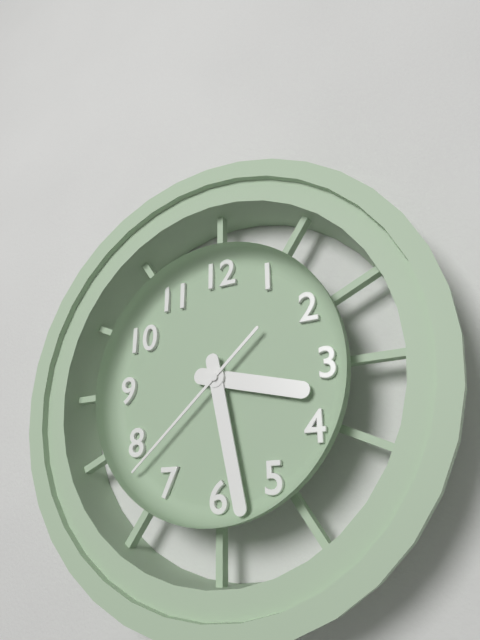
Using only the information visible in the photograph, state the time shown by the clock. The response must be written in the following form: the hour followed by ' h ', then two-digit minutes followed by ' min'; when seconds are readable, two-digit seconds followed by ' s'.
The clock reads 3 h 28 min 38 s
